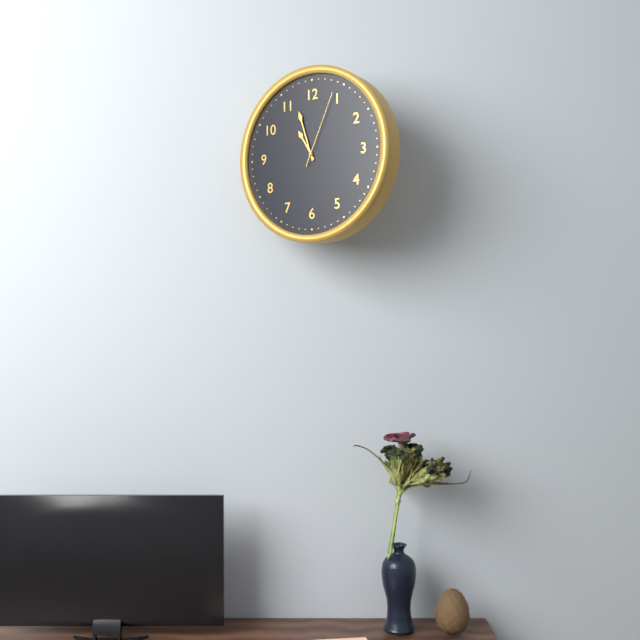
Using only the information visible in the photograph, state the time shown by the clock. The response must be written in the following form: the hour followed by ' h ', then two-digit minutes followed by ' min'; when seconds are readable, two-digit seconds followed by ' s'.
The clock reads 10 h 57 min 04 s
